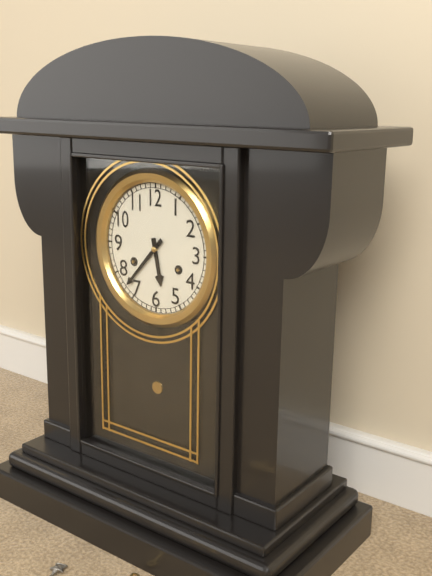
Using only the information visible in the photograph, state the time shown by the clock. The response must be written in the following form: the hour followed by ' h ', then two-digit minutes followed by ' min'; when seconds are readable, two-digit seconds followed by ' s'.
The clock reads 5 h 37 min
